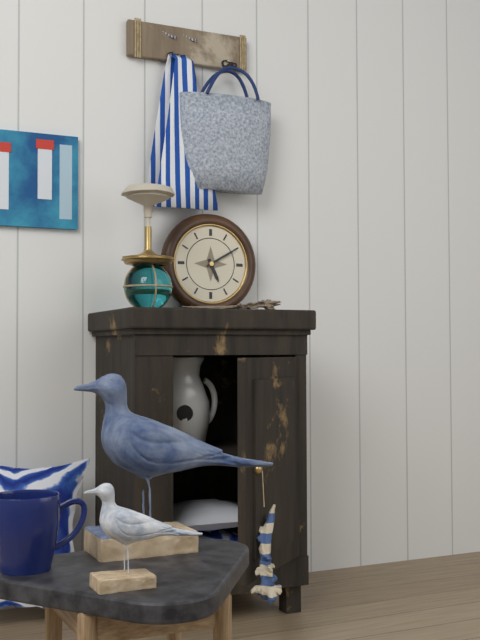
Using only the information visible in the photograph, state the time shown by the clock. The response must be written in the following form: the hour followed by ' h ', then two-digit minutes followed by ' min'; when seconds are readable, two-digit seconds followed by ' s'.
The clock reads 5 h 10 min
